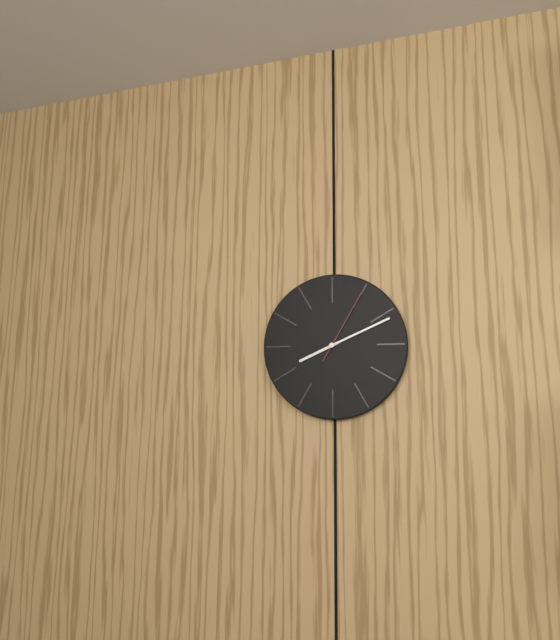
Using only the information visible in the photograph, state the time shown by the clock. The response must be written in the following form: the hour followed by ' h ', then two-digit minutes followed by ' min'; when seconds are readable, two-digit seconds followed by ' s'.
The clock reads 8 h 11 min 05 s
